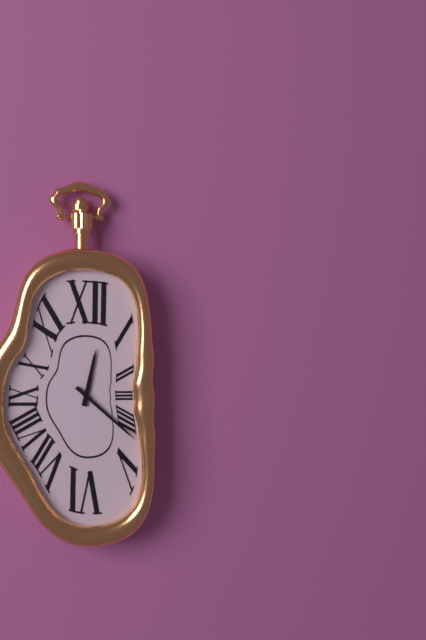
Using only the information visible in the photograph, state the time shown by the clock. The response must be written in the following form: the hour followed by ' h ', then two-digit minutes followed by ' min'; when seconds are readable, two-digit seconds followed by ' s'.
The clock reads 12 h 22 min
